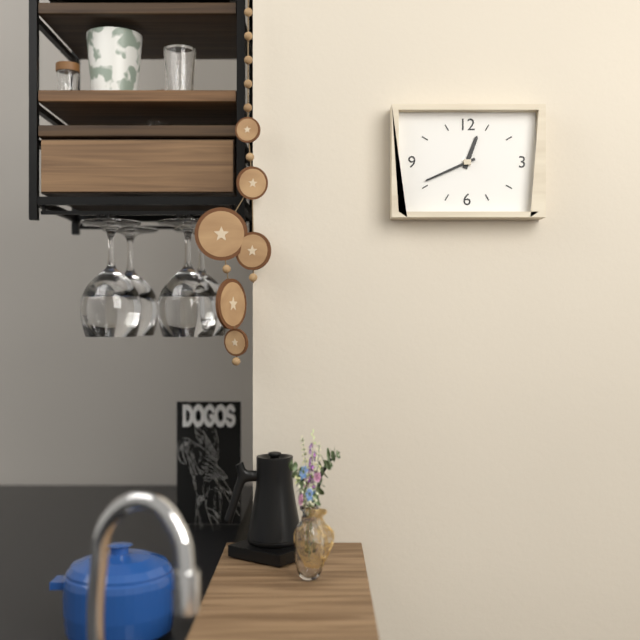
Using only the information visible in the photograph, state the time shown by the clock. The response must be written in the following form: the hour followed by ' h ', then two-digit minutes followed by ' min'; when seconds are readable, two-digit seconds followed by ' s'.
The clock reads 12 h 41 min
